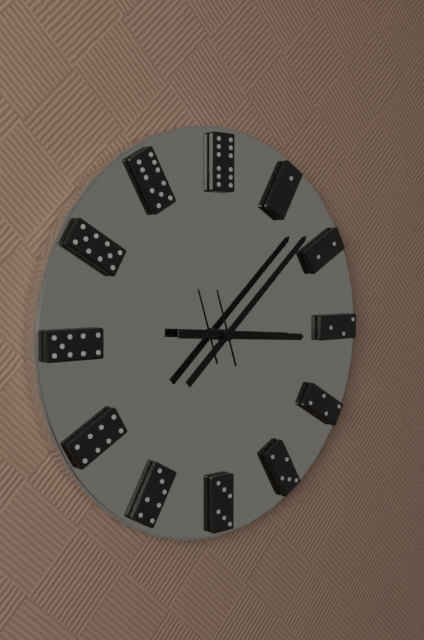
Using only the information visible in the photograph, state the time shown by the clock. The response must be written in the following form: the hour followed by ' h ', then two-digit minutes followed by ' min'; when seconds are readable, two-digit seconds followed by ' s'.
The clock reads 3 h 08 min 57 s
